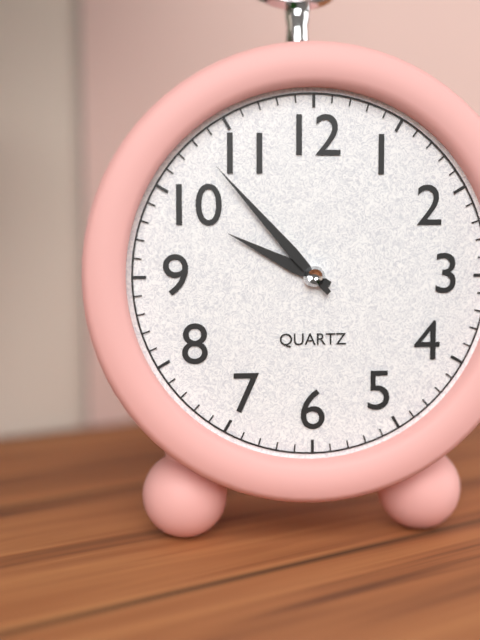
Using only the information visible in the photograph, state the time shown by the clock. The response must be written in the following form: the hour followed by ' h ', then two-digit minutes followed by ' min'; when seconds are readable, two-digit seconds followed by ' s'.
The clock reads 9 h 53 min
